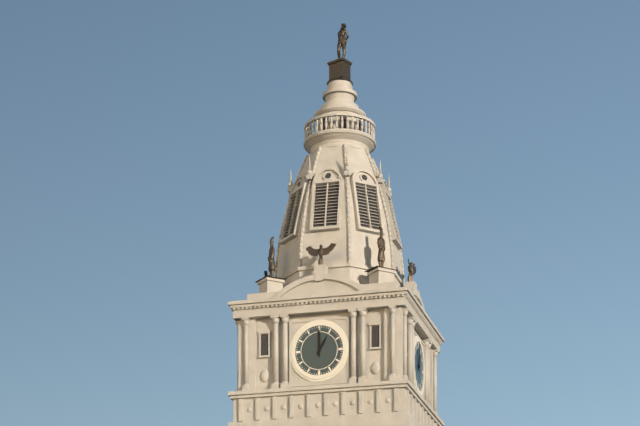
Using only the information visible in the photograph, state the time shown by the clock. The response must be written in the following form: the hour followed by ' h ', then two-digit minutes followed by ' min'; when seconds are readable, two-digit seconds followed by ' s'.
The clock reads 1 h 00 min
